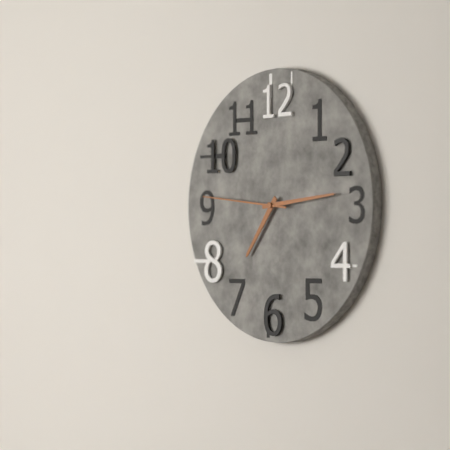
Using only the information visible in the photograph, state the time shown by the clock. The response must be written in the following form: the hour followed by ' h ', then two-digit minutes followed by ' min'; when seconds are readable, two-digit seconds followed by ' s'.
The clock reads 7 h 14 min 46 s
